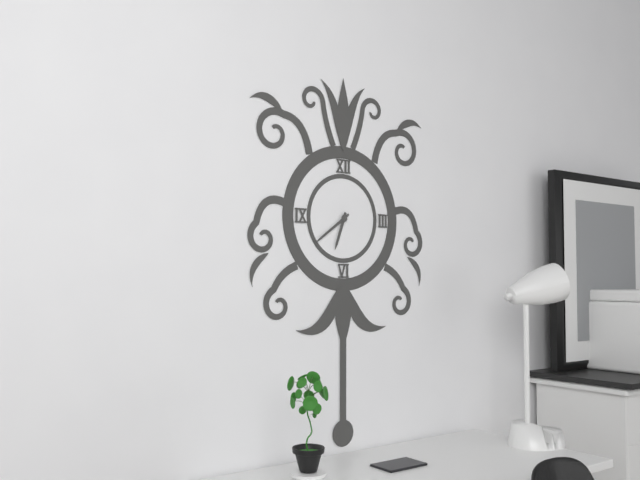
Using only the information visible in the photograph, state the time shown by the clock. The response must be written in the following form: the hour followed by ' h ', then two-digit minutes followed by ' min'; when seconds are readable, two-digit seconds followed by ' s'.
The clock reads 6 h 39 min
